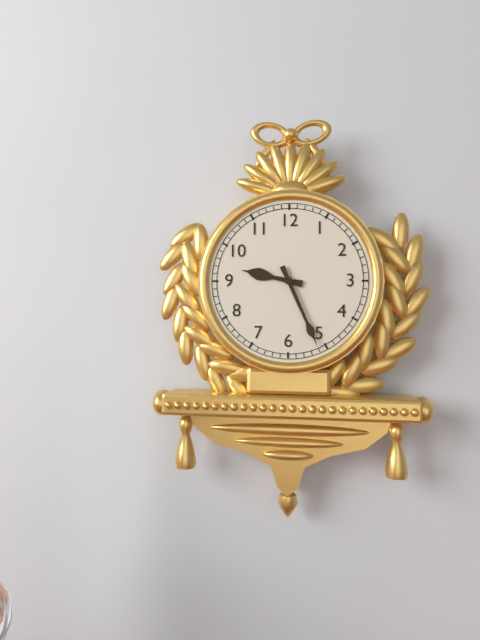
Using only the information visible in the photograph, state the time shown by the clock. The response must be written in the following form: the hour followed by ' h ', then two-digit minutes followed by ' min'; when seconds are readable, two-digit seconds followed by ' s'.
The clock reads 9 h 26 min
